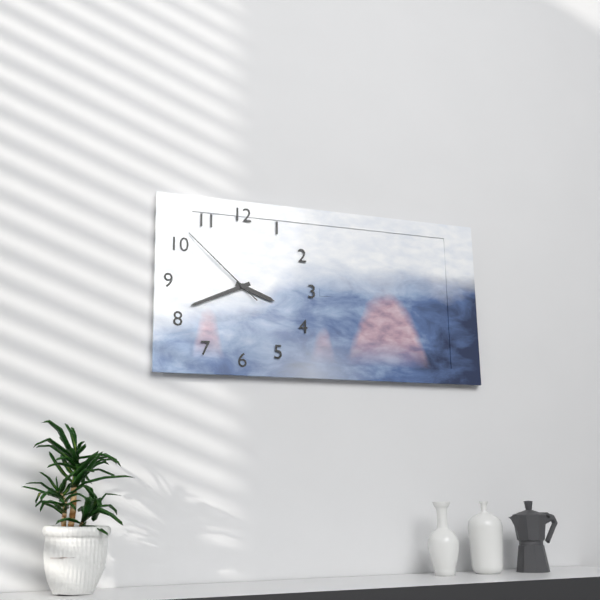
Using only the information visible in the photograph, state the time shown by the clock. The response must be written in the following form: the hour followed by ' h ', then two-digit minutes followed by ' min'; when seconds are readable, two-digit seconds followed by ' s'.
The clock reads 3 h 41 min 52 s
